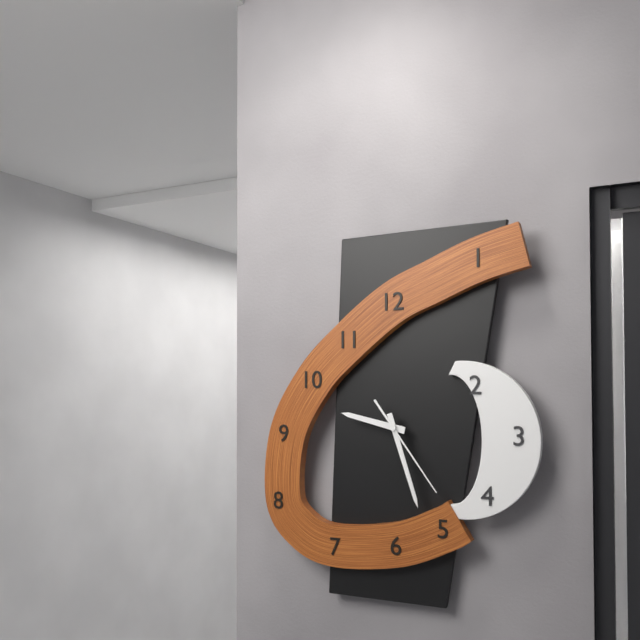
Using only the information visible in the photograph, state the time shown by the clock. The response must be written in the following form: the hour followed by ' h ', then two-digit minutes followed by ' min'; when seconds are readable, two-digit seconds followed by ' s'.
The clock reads 9 h 27 min 24 s
